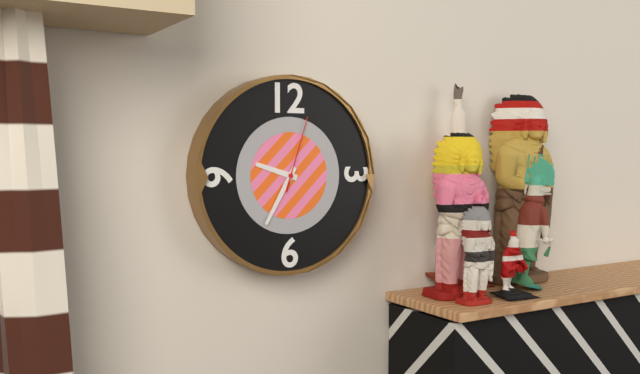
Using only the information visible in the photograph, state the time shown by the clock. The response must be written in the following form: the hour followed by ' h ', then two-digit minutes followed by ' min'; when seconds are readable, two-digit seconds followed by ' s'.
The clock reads 9 h 35 min 03 s
